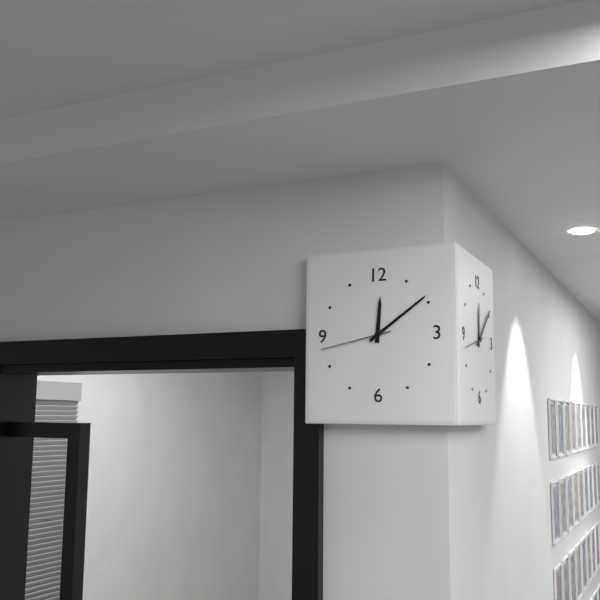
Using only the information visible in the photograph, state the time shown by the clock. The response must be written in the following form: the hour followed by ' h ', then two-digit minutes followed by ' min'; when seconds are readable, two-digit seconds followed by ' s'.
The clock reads 12 h 09 min 43 s
